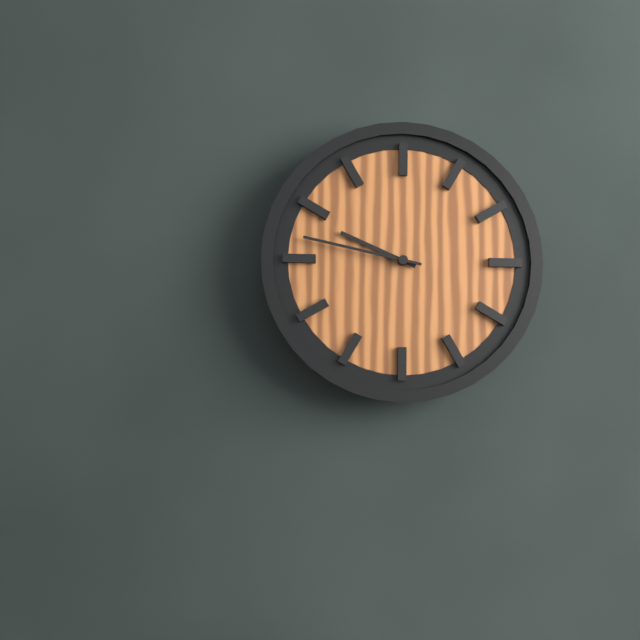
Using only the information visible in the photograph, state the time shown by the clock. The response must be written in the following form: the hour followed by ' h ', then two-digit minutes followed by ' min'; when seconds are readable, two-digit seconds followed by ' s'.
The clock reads 9 h 47 min
